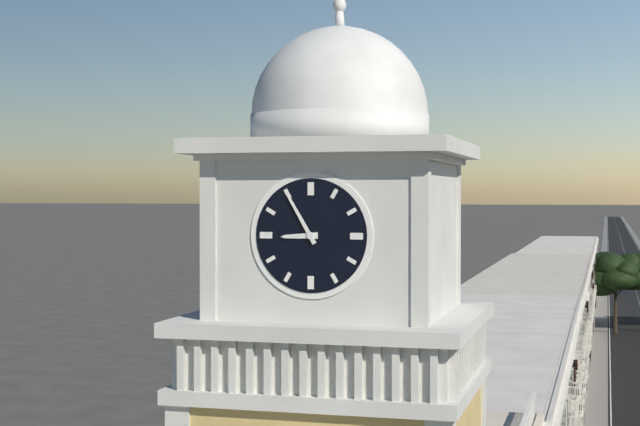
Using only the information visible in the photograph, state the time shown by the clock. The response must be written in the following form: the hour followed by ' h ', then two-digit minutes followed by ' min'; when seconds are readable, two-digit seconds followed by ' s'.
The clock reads 8 h 55 min
